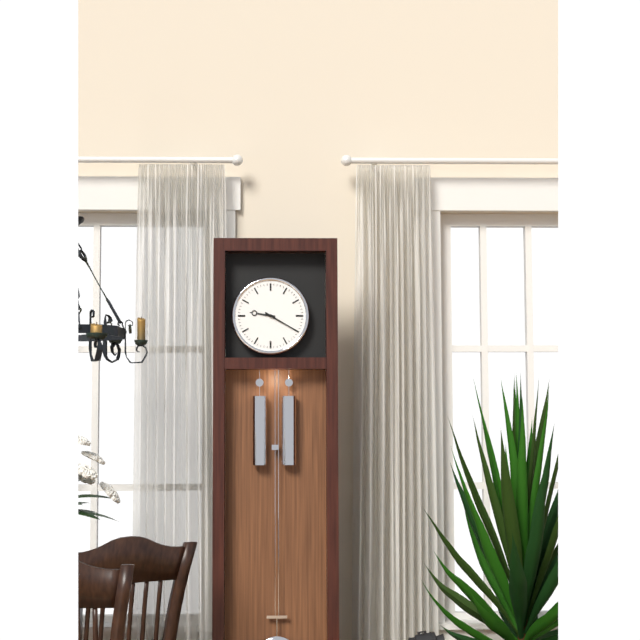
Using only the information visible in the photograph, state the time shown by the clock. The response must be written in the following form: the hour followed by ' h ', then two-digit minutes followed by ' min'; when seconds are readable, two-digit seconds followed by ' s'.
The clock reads 9 h 20 min
